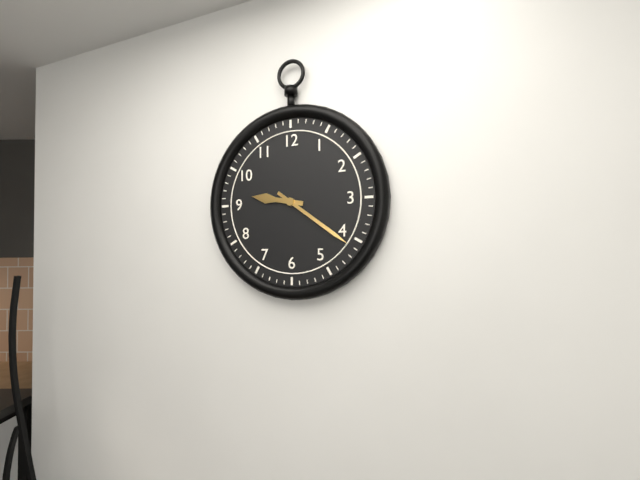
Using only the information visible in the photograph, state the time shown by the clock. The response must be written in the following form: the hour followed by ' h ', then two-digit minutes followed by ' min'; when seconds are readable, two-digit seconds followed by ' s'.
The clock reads 9 h 21 min
